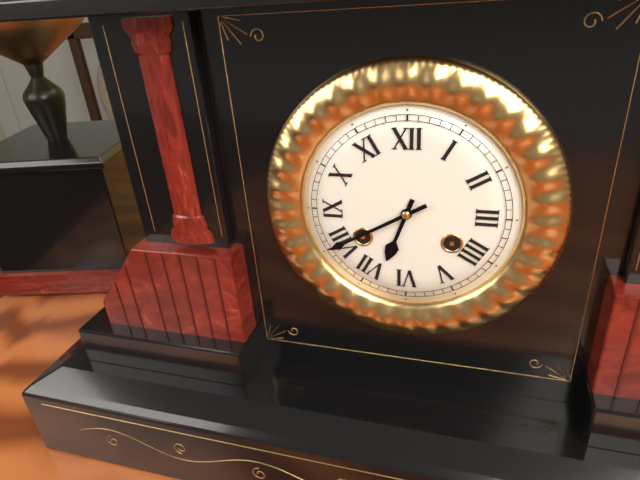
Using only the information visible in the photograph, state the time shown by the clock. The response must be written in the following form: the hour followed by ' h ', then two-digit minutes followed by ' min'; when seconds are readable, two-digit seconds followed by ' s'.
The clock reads 6 h 40 min
